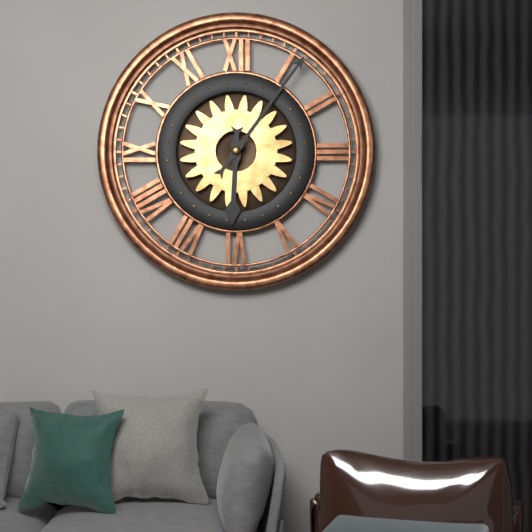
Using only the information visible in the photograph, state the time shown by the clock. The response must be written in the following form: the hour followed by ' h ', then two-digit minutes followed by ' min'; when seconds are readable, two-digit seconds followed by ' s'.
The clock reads 6 h 06 min
